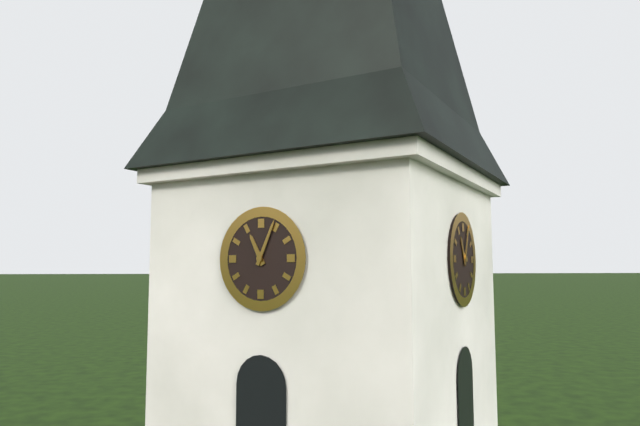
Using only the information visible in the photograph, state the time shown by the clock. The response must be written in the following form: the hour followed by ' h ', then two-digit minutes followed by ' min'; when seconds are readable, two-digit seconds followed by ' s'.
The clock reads 11 h 04 min
